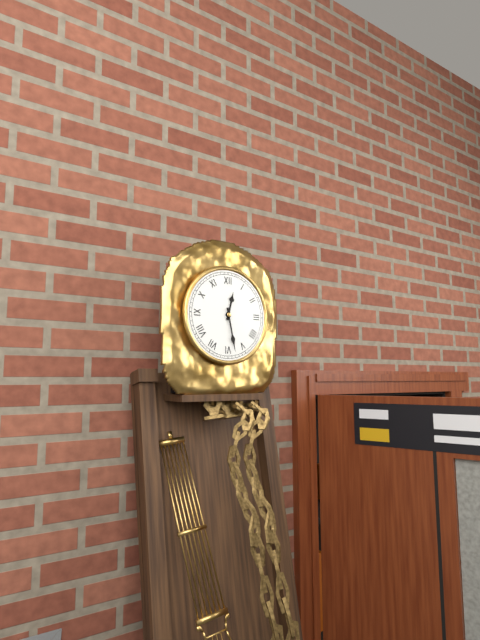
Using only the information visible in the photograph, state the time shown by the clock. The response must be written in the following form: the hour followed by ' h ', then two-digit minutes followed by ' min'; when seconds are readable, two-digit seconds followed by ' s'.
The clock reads 12 h 28 min
